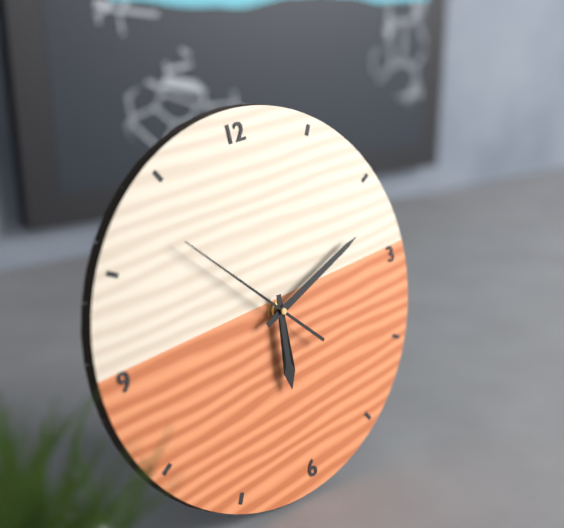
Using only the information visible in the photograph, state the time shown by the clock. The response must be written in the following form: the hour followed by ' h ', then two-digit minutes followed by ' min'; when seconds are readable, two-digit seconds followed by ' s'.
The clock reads 6 h 12 min 53 s
